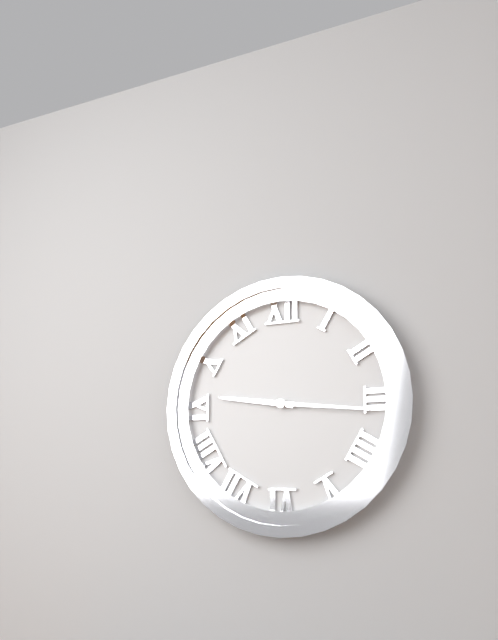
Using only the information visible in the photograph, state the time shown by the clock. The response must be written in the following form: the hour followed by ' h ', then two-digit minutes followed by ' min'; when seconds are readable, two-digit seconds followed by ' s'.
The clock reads 9 h 16 min
